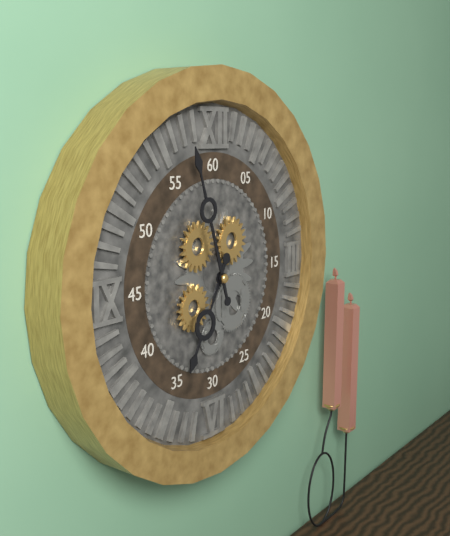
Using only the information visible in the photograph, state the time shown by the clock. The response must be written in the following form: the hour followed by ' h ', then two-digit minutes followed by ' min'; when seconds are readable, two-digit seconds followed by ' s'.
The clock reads 6 h 57 min
